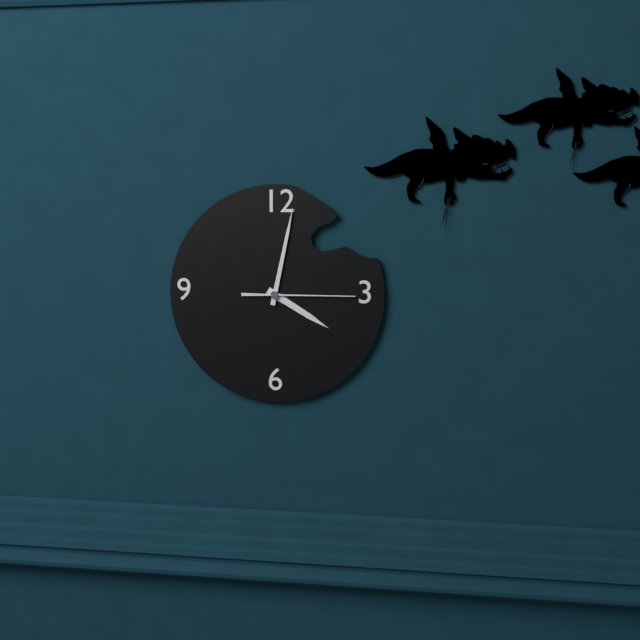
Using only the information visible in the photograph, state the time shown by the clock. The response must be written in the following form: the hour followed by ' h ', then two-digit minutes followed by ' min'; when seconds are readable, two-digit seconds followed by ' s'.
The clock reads 4 h 02 min 15 s
